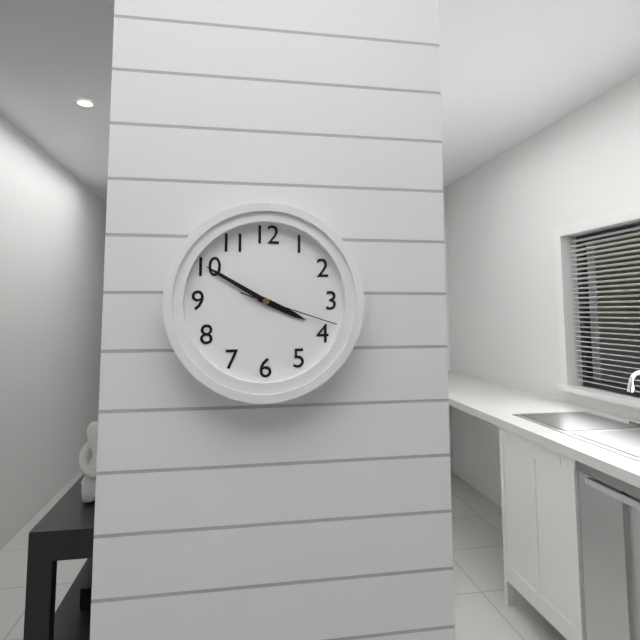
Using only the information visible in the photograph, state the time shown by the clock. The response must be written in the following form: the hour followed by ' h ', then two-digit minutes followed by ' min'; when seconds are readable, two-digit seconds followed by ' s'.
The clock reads 3 h 50 min 18 s
